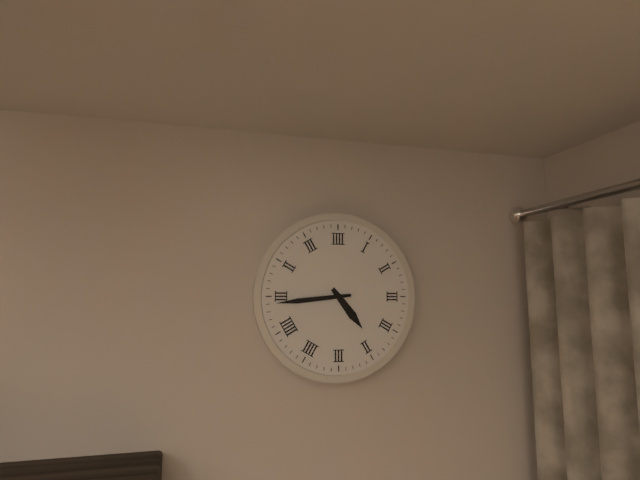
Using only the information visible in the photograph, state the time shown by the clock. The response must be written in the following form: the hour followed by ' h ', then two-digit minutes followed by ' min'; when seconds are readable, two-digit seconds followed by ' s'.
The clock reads 4 h 44 min
